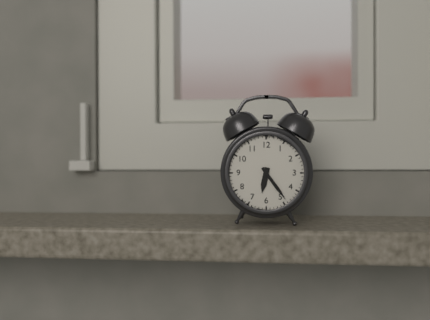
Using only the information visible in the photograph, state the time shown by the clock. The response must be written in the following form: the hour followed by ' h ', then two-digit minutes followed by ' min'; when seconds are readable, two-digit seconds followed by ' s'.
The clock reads 6 h 24 min
